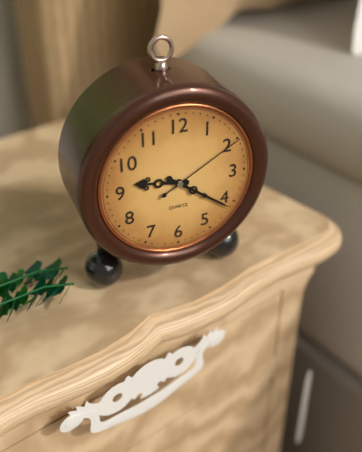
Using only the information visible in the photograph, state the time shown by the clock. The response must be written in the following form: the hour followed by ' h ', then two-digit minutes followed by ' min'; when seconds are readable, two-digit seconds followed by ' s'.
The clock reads 9 h 21 min 10 s
